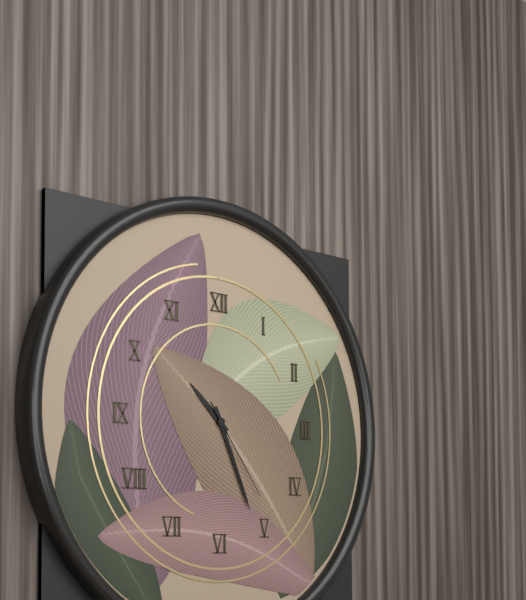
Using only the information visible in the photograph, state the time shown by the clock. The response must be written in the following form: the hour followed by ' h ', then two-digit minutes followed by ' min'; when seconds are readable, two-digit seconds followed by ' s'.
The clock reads 10 h 26 min 24 s
